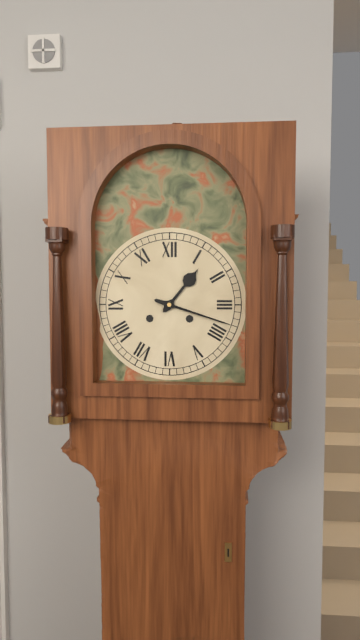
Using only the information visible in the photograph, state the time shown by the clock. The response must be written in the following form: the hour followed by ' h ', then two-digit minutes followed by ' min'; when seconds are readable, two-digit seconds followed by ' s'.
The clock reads 1 h 18 min
